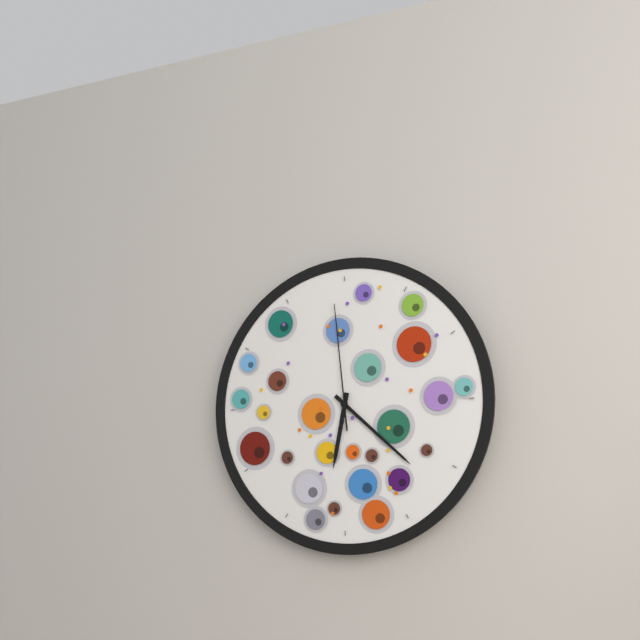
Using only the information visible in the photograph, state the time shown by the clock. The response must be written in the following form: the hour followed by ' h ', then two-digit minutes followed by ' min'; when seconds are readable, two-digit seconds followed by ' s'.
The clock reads 6 h 22 min 59 s
